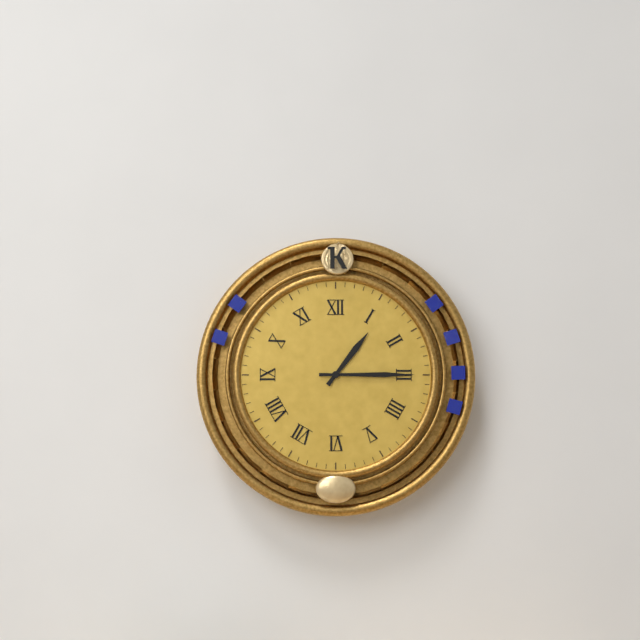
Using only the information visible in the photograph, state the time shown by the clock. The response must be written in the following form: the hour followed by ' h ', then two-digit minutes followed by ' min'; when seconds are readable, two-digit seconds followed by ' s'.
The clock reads 1 h 15 min
